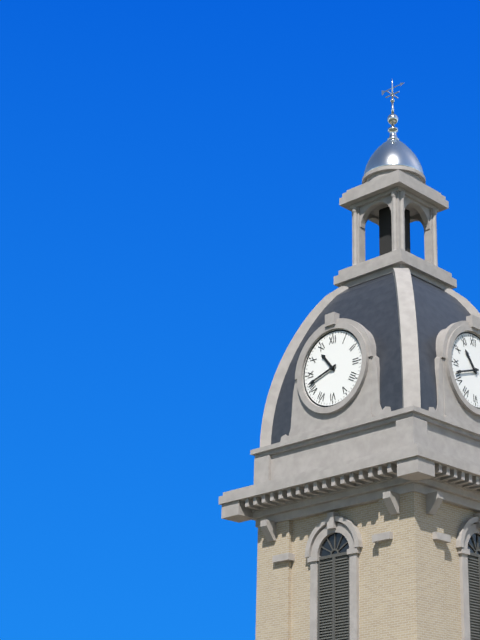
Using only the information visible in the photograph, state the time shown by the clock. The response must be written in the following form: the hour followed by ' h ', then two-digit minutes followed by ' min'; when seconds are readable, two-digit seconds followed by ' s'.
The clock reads 10 h 42 min
